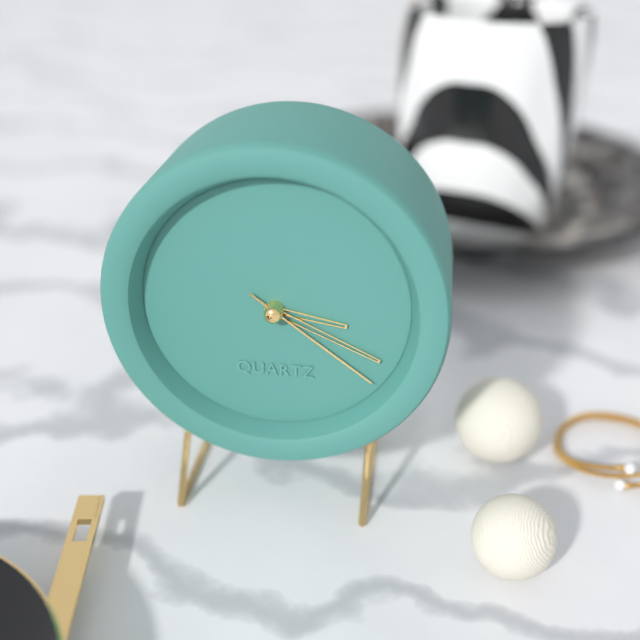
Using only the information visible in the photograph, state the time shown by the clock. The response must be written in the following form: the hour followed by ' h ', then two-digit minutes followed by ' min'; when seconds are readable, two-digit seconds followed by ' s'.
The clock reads 3 h 19 min 21 s
